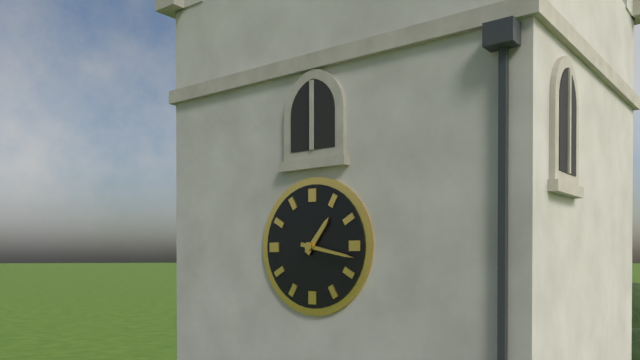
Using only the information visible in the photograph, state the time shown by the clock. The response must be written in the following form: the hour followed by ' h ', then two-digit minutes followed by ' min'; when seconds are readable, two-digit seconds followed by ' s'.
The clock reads 1 h 17 min
